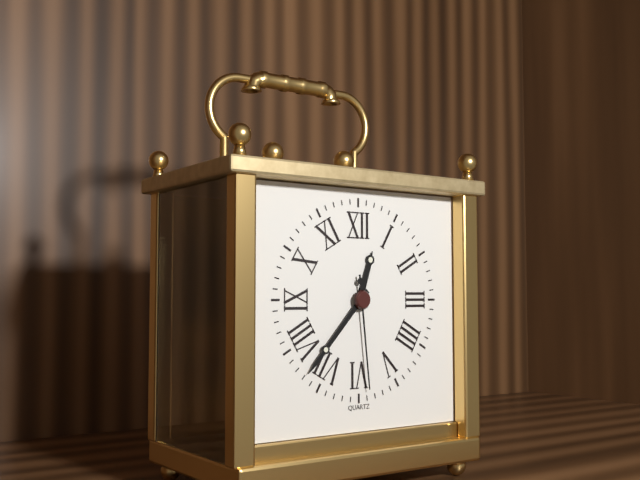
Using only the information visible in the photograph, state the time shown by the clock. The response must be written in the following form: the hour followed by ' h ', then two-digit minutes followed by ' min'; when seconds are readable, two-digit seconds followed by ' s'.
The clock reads 12 h 37 min 29 s
